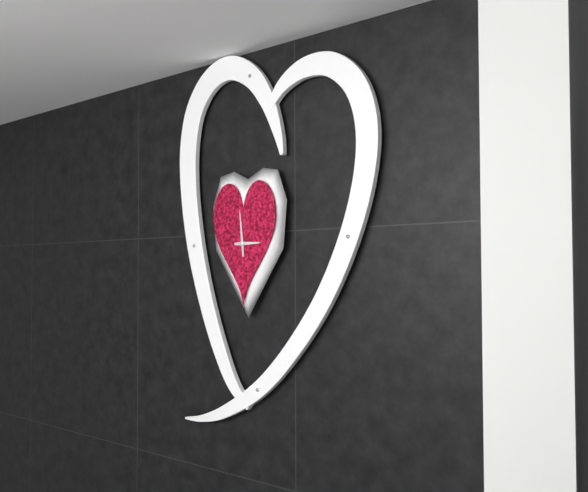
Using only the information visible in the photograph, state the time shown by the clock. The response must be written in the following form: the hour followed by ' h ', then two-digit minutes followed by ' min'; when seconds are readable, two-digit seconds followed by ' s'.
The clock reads 2 h 59 min
